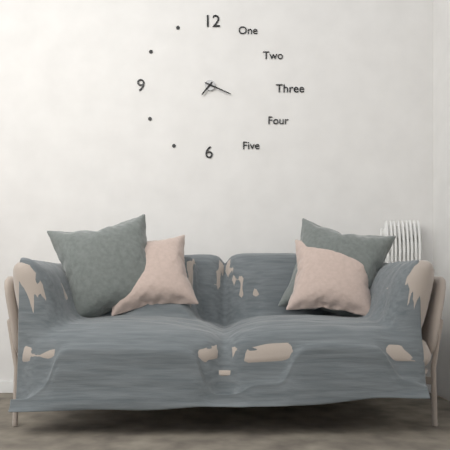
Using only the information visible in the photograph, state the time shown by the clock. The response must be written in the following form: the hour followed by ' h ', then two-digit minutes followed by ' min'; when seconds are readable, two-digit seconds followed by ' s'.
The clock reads 7 h 19 min
